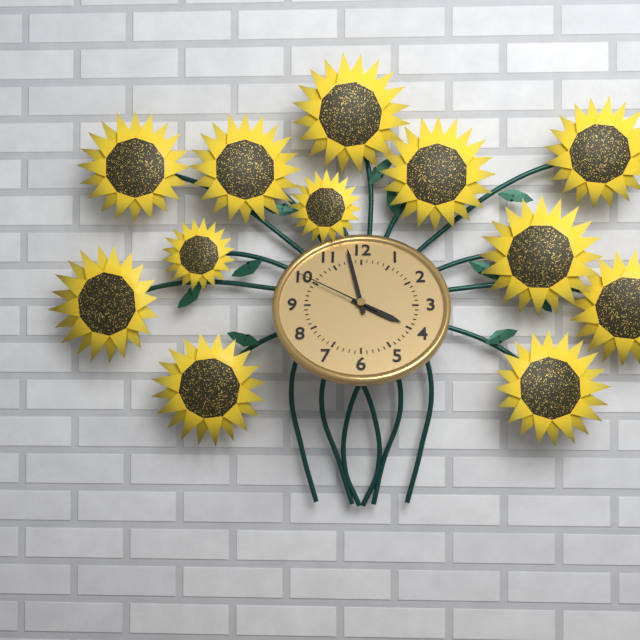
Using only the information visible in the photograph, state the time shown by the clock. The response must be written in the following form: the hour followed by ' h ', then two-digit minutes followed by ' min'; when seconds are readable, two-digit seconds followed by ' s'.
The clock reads 3 h 58 min 50 s
